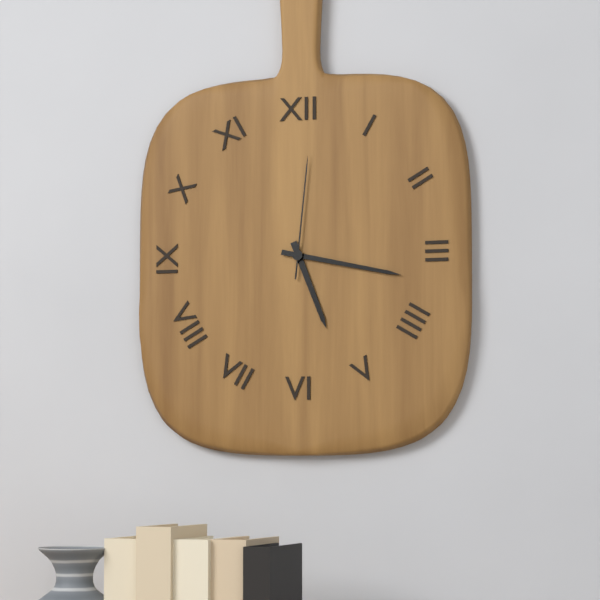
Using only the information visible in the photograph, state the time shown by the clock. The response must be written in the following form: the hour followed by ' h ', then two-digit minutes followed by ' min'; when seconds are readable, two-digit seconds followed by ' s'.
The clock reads 5 h 17 min 01 s
